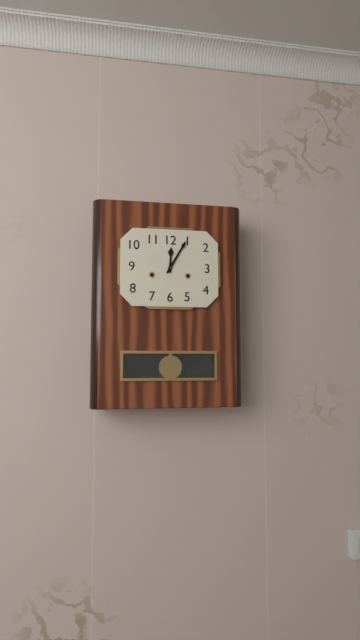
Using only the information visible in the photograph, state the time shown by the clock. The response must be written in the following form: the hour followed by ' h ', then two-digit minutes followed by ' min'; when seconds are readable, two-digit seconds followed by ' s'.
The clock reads 12 h 05 min
